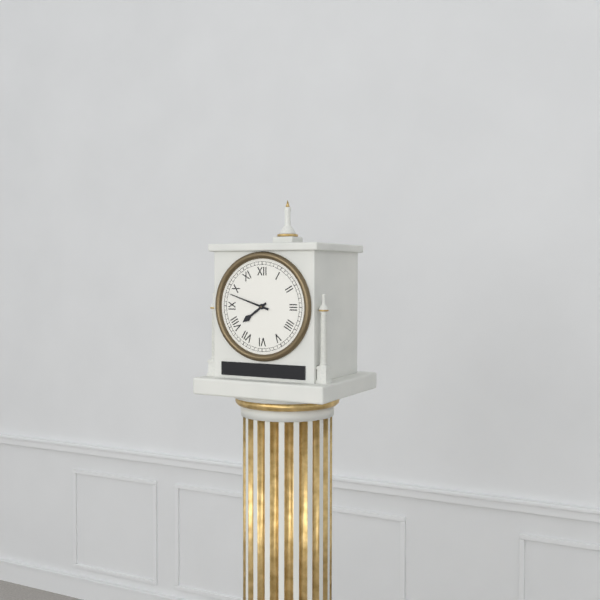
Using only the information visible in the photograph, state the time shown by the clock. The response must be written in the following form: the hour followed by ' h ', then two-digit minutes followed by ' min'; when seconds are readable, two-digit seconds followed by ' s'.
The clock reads 7 h 48 min
